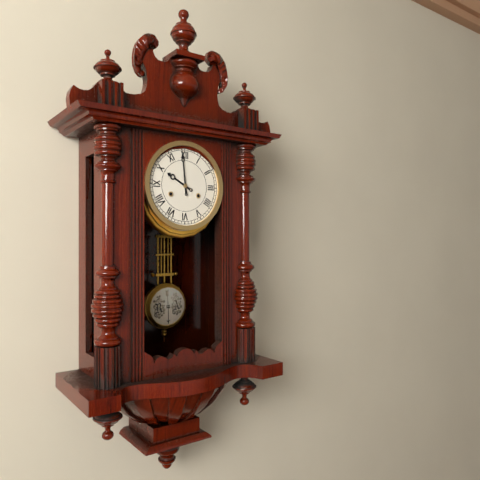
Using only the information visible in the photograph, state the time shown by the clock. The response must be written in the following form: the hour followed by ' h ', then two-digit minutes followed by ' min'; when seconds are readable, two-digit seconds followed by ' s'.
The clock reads 9 h 59 min
